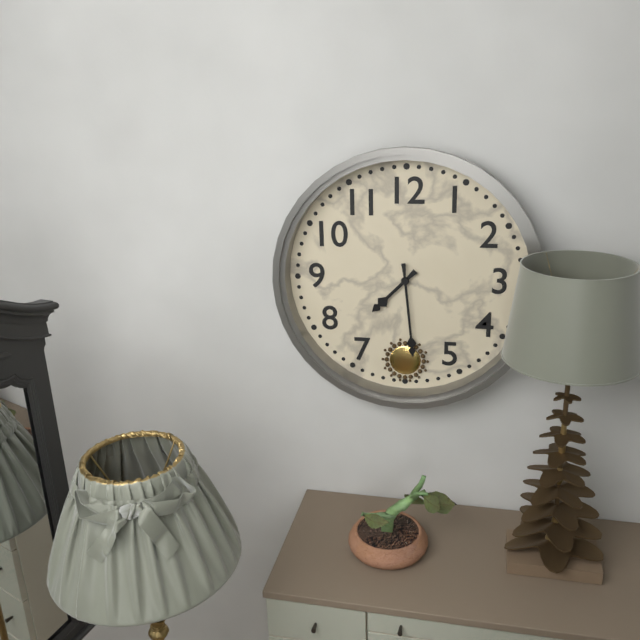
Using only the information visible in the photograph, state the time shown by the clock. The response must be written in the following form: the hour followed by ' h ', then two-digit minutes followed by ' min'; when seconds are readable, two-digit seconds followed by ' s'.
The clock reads 7 h 29 min
